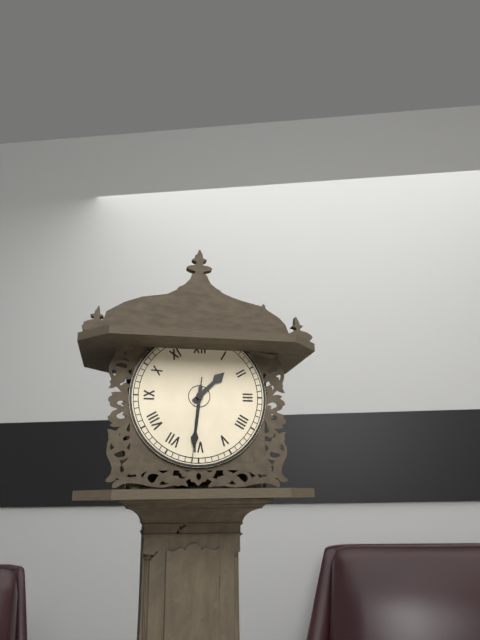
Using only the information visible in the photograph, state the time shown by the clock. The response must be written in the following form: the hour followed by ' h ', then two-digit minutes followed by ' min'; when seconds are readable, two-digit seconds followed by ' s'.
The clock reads 1 h 31 min 31 s
